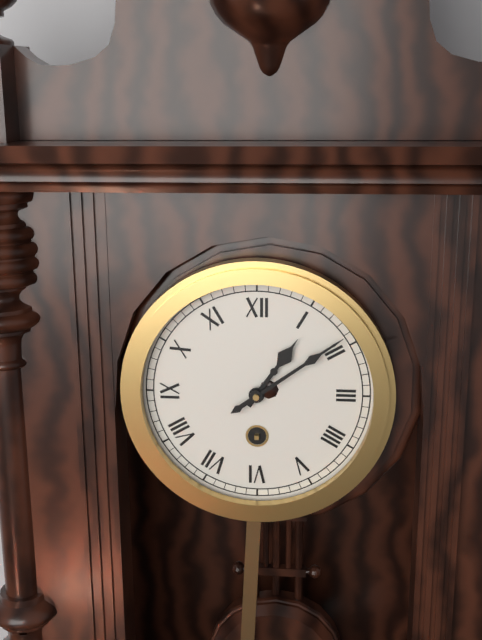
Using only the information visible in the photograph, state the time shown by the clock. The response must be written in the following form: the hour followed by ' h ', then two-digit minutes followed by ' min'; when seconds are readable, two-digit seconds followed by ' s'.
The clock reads 1 h 09 min
